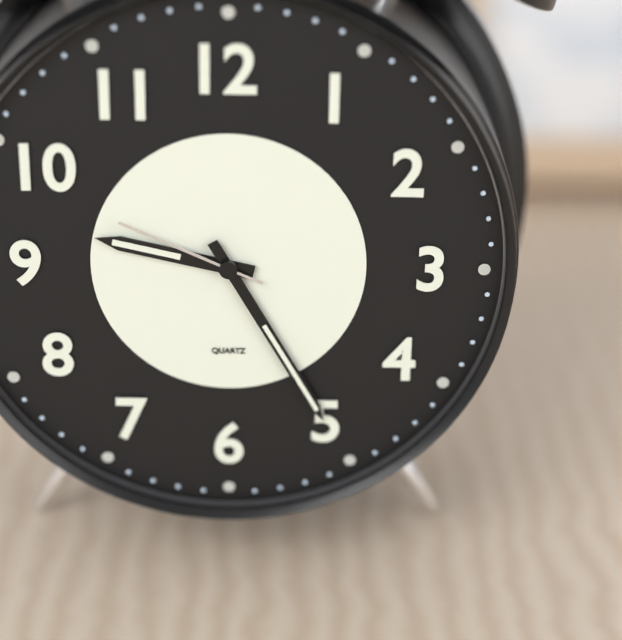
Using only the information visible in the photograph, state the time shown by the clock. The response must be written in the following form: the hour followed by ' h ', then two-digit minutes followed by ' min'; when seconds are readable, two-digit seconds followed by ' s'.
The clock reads 9 h 25 min 49 s
